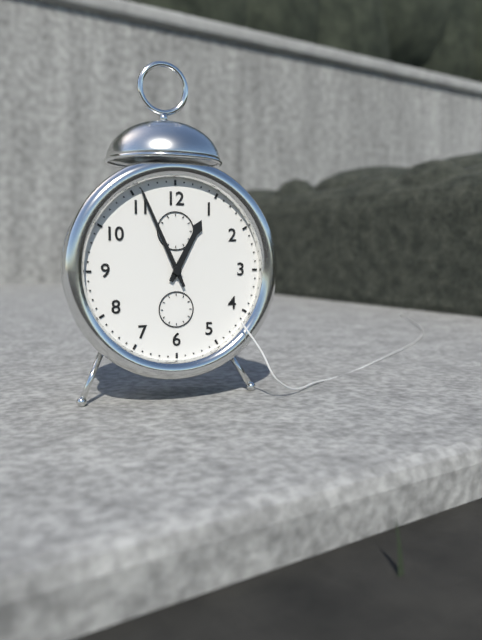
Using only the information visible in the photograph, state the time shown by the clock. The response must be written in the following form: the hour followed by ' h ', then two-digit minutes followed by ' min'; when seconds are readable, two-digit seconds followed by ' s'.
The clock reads 12 h 56 min
